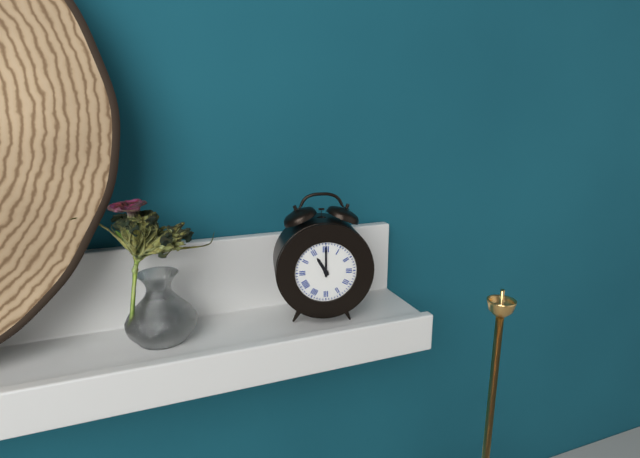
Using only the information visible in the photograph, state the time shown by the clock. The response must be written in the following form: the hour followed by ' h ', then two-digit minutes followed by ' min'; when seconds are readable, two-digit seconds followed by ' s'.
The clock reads 11 h 00 min
